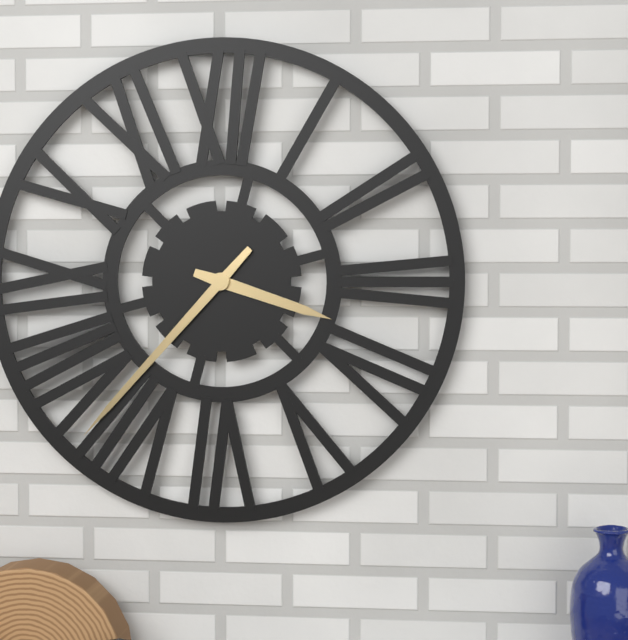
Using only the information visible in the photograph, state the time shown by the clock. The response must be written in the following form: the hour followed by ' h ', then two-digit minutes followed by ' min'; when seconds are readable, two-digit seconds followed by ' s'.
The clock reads 3 h 37 min
